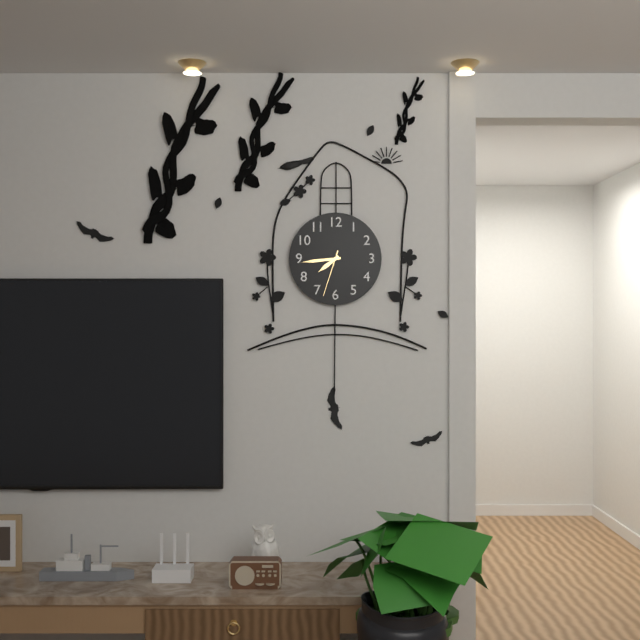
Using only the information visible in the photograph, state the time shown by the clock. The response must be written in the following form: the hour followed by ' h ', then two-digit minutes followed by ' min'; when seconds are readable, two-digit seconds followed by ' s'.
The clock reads 7 h 44 min
